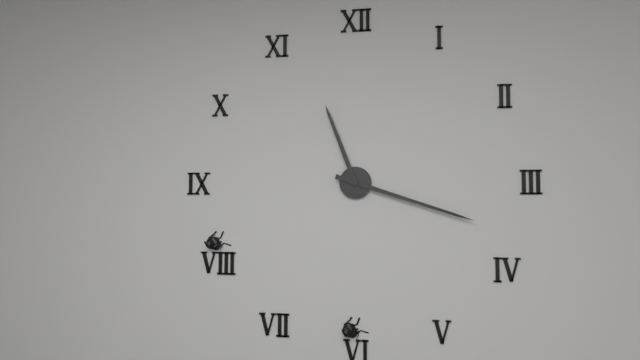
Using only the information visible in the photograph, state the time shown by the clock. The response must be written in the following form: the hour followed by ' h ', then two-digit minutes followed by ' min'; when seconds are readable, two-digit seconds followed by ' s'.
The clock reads 11 h 18 min
